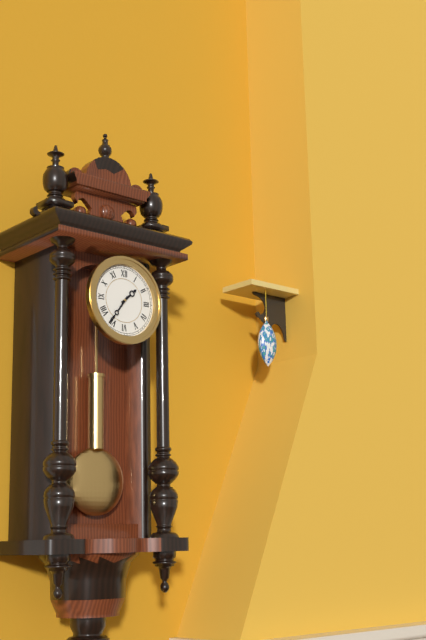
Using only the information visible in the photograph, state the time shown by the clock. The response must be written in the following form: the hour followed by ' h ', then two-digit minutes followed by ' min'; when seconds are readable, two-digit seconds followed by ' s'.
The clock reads 1 h 36 min
